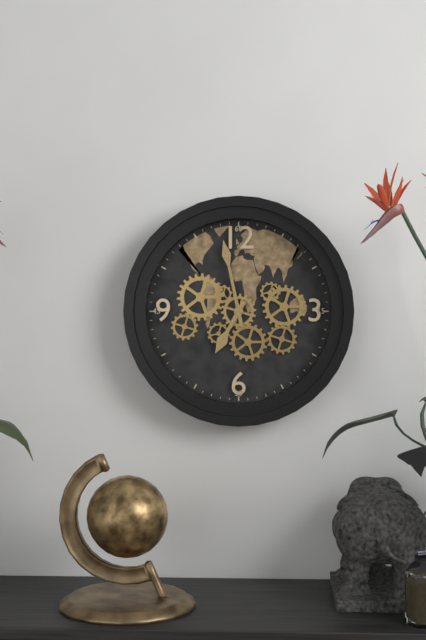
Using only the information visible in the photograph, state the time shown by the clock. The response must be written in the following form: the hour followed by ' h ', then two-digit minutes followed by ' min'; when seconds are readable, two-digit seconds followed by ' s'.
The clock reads 6 h 58 min
